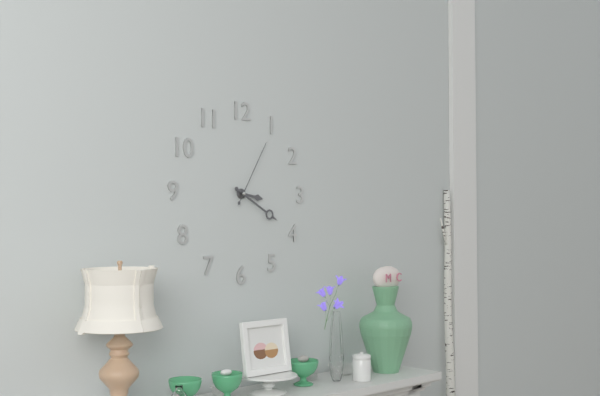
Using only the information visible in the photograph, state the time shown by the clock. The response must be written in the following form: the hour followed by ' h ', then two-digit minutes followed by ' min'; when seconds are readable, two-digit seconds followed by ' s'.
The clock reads 3 h 20 min 05 s
